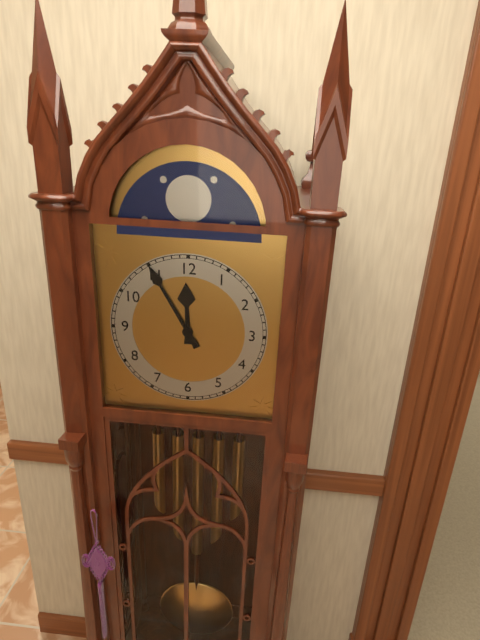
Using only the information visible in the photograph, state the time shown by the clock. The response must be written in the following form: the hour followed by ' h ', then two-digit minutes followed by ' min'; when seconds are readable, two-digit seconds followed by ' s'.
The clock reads 11 h 55 min
